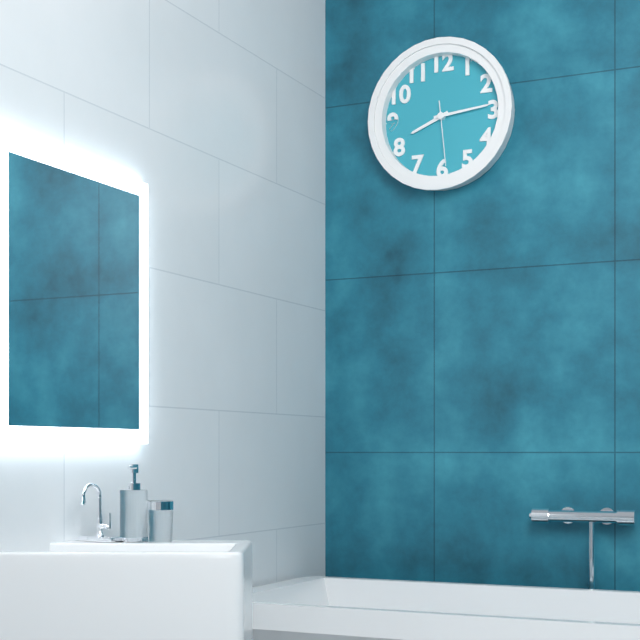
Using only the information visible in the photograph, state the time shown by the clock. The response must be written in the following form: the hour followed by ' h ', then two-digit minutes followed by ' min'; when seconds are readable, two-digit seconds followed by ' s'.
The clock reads 8 h 14 min 29 s
